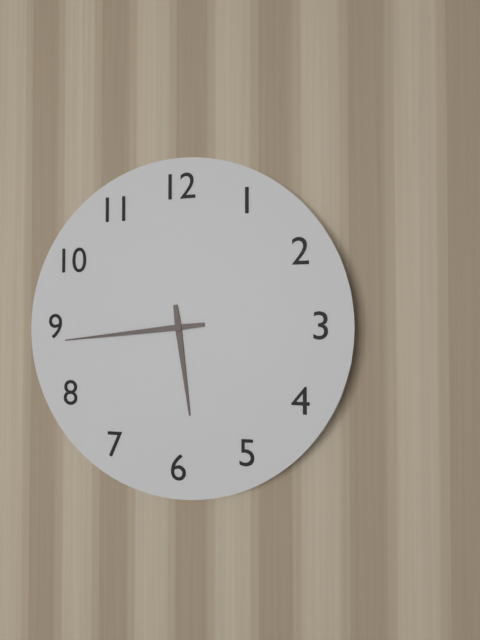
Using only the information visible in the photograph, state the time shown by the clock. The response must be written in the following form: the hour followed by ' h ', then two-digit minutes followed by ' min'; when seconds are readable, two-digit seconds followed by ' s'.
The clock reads 5 h 44 min
